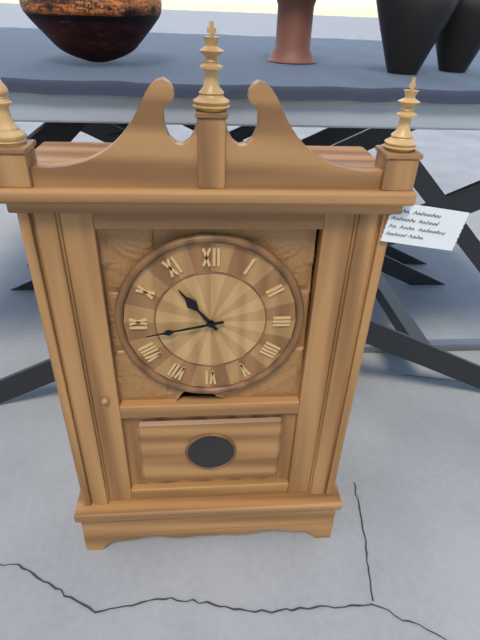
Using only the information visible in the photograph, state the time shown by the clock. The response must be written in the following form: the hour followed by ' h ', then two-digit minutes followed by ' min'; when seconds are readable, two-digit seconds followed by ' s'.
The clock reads 10 h 43 min
